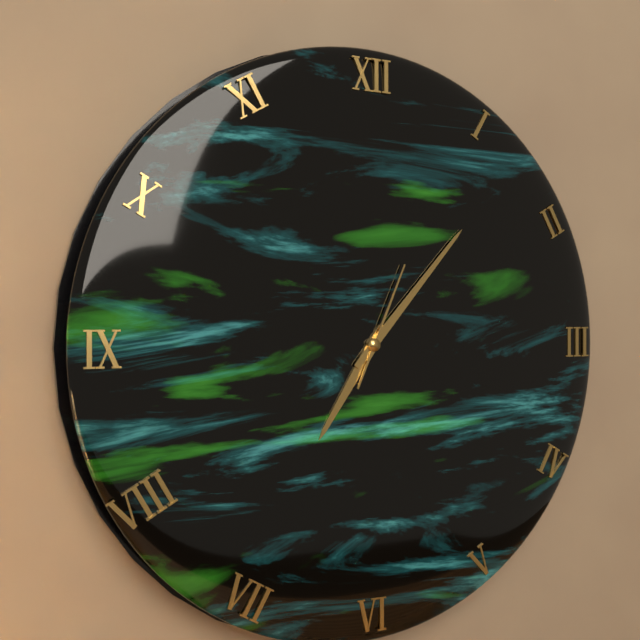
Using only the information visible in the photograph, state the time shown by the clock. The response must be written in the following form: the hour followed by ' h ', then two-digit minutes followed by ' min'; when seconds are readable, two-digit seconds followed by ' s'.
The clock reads 7 h 07 min 04 s
